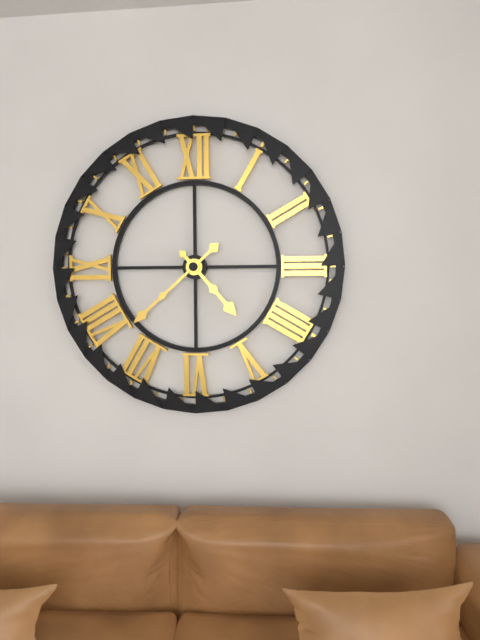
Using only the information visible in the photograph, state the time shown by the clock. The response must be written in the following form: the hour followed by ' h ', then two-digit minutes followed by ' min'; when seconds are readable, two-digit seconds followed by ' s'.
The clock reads 4 h 38 min
